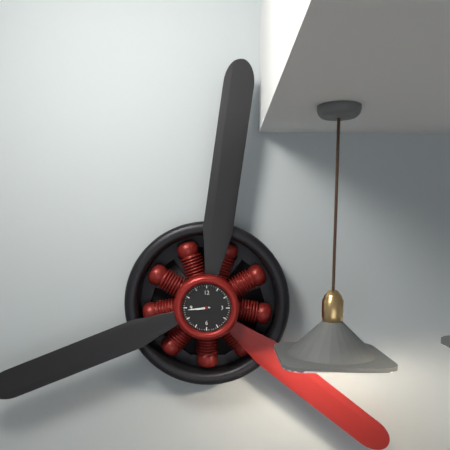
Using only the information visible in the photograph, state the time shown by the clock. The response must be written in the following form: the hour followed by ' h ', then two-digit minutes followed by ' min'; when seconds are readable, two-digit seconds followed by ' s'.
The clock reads 8 h 44 min
